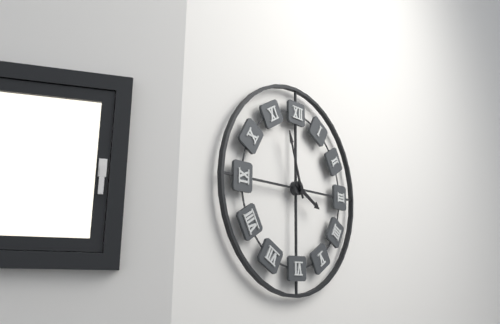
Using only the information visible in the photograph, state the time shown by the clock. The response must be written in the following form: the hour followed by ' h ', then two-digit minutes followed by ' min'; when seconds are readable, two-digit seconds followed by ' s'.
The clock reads 3 h 57 min
